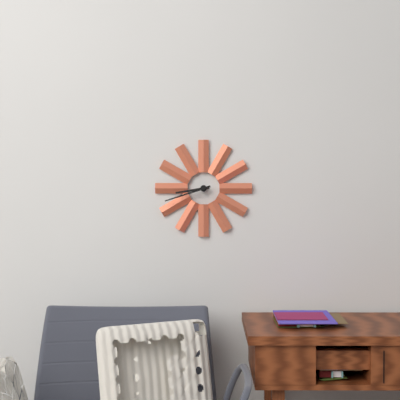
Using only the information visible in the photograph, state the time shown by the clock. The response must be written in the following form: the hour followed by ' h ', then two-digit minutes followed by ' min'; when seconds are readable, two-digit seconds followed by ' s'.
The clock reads 8 h 42 min
